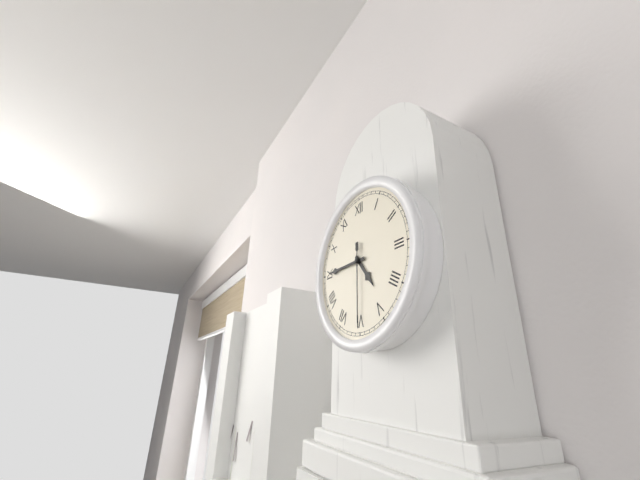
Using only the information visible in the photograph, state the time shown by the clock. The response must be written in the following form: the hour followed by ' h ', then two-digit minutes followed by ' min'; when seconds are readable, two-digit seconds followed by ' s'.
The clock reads 4 h 45 min 30 s
